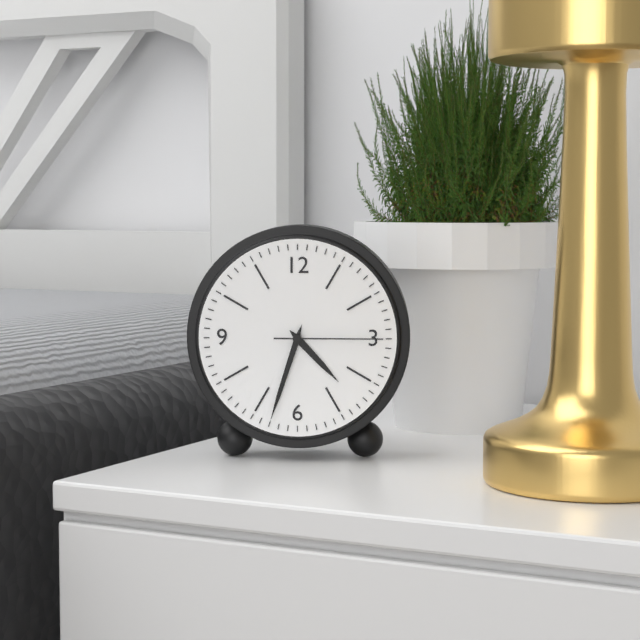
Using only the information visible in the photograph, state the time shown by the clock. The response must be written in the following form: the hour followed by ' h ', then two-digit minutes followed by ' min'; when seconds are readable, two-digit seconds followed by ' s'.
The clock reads 4 h 33 min 15 s
